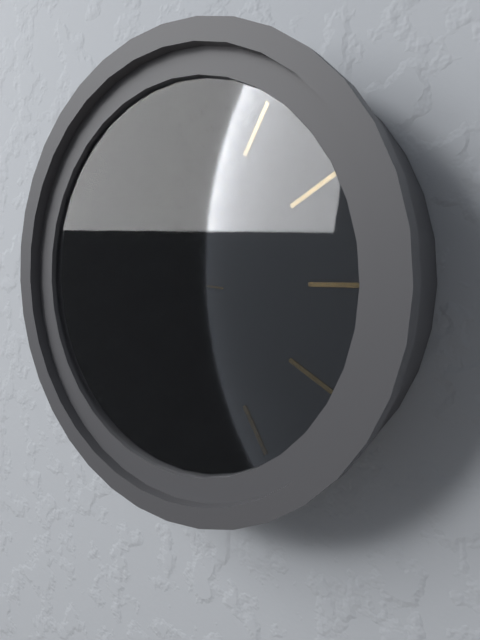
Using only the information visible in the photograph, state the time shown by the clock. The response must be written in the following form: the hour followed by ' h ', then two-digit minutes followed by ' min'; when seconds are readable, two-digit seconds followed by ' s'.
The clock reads 6 h 35 min 46 s
